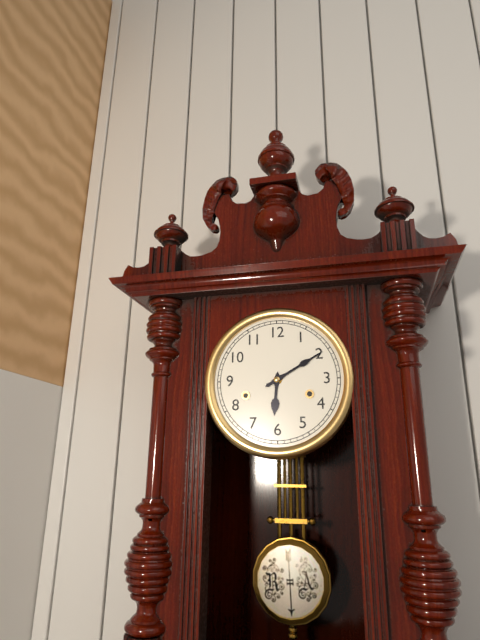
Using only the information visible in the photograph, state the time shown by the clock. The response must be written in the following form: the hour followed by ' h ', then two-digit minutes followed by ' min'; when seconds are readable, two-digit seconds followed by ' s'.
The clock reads 6 h 10 min
